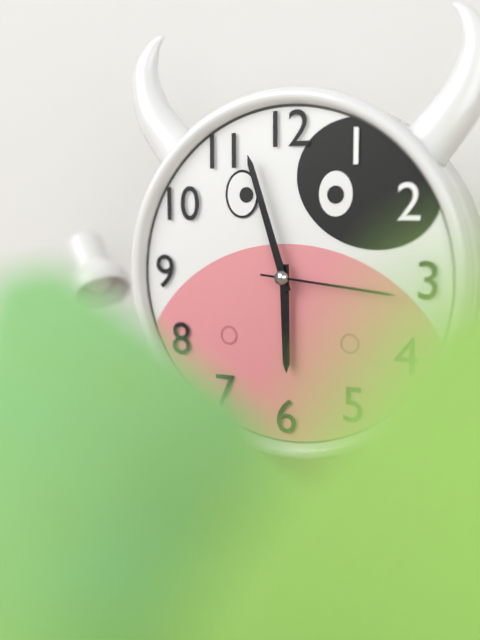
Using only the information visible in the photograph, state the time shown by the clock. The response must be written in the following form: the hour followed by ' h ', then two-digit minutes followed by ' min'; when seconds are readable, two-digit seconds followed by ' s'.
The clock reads 5 h 57 min 16 s
